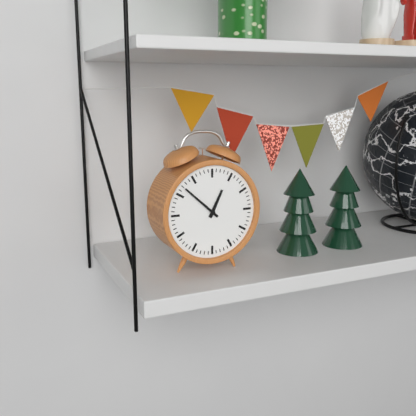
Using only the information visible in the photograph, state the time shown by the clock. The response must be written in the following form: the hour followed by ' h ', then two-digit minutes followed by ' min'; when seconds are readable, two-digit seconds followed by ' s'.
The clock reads 12 h 52 min
